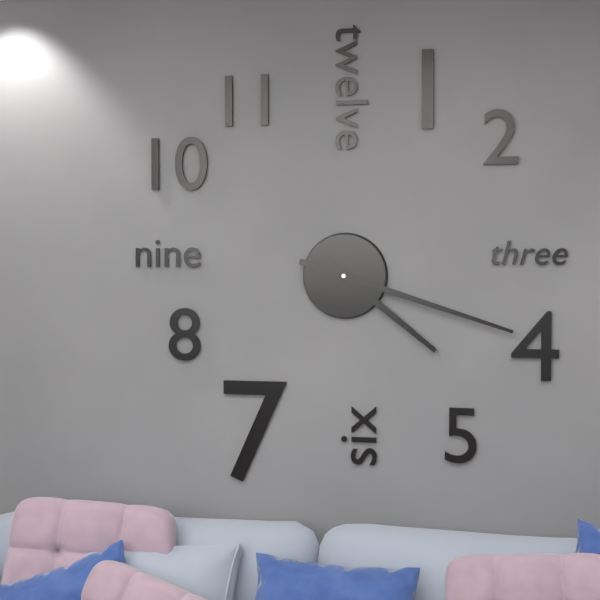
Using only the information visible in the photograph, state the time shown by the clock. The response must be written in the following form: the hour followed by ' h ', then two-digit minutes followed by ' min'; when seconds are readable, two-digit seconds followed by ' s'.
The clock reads 4 h 18 min
